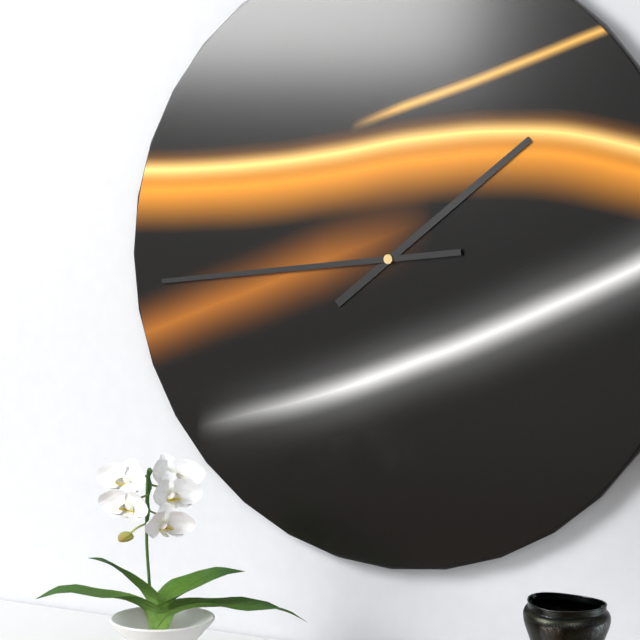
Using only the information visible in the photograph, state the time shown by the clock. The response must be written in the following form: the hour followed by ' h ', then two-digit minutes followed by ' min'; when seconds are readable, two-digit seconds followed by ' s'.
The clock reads 1 h 44 min
